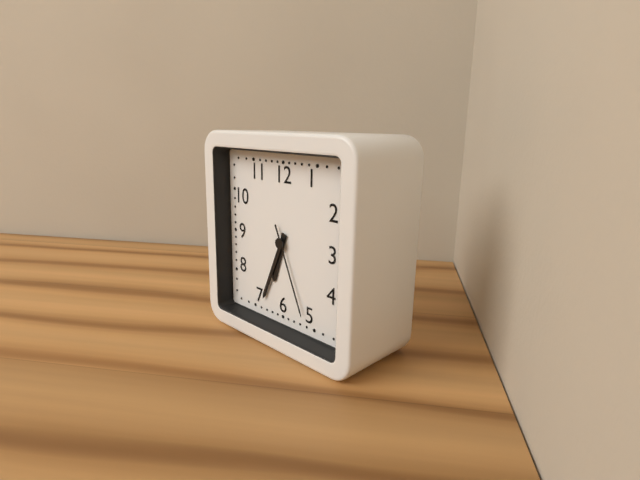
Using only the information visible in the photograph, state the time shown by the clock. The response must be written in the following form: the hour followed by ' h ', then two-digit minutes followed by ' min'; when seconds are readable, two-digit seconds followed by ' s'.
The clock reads 6 h 34 min 26 s
